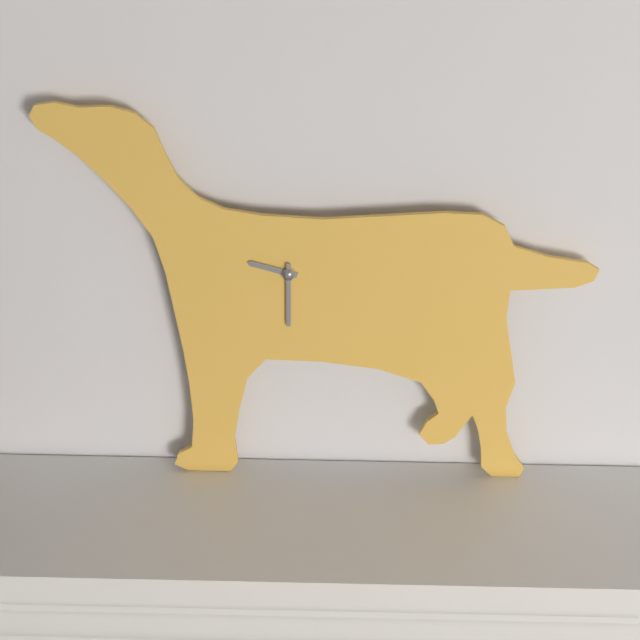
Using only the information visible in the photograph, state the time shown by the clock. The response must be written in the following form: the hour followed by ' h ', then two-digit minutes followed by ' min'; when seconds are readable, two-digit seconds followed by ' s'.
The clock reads 9 h 30 min
